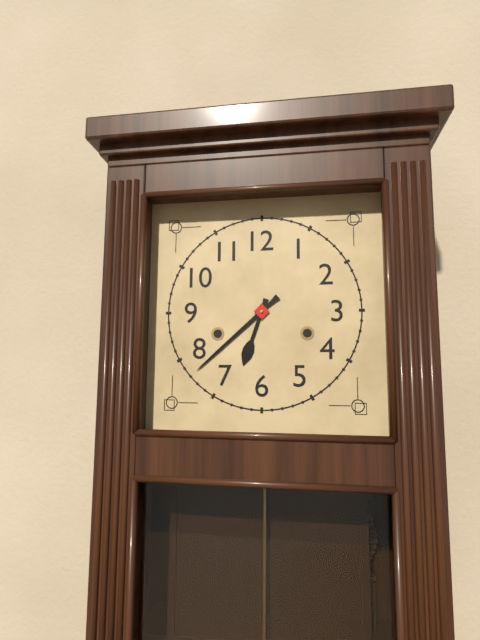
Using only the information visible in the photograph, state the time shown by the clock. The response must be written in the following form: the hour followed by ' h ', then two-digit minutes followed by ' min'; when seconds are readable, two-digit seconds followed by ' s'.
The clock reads 6 h 38 min
